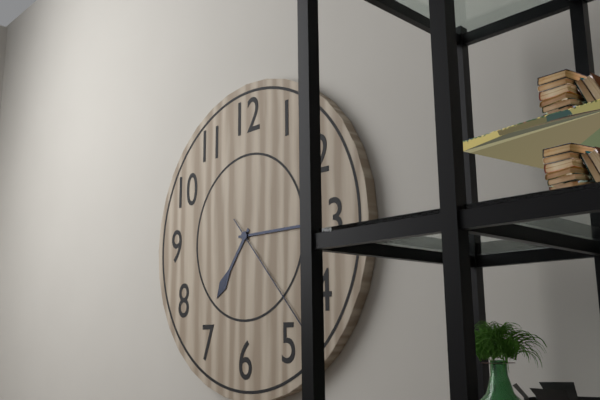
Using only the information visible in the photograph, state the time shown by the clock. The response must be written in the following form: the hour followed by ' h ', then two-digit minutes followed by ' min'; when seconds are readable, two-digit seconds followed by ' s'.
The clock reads 7 h 15 min 23 s
